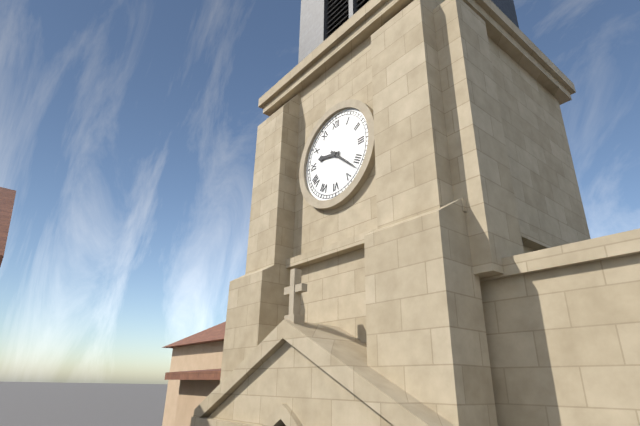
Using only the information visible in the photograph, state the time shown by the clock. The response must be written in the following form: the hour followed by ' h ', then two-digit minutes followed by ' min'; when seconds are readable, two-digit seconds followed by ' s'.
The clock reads 9 h 22 min
